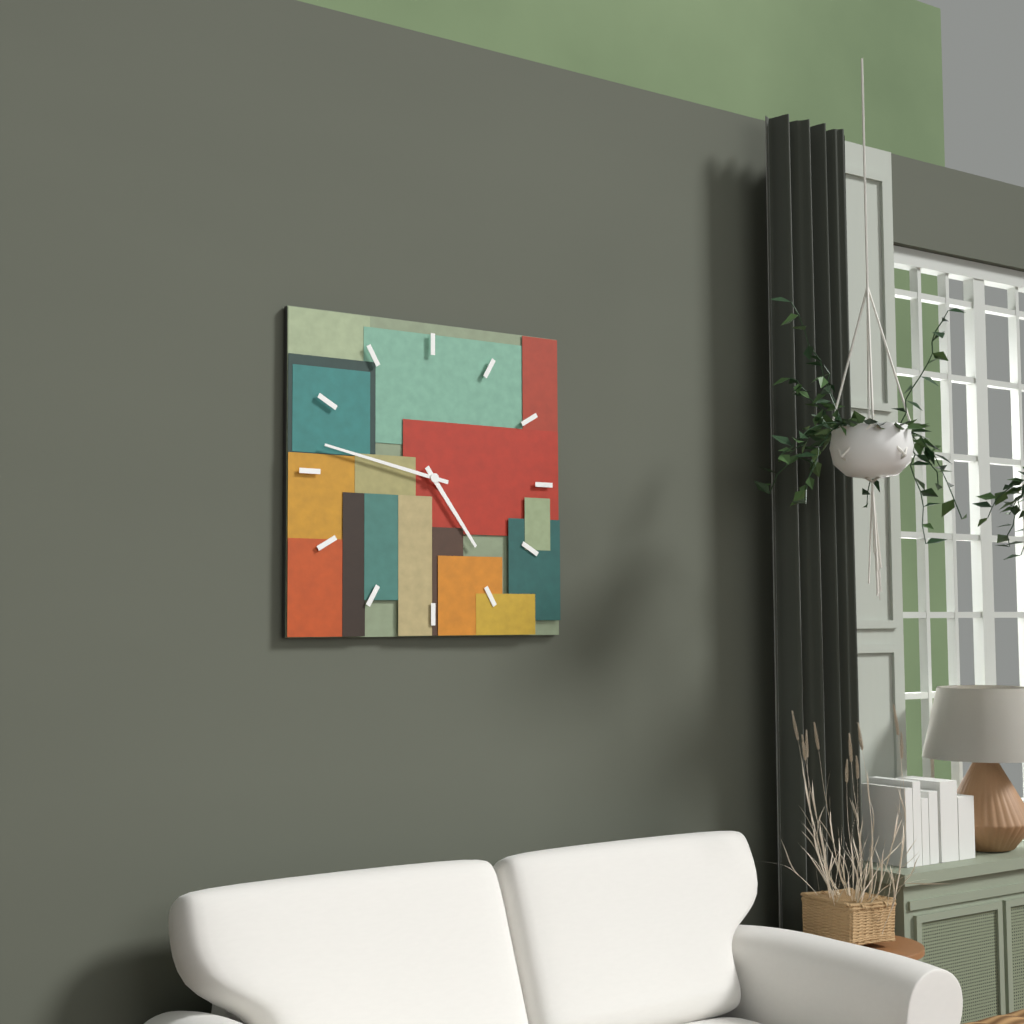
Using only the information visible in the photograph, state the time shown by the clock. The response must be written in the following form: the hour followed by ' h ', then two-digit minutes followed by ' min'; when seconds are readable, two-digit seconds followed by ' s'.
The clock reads 4 h 47 min
